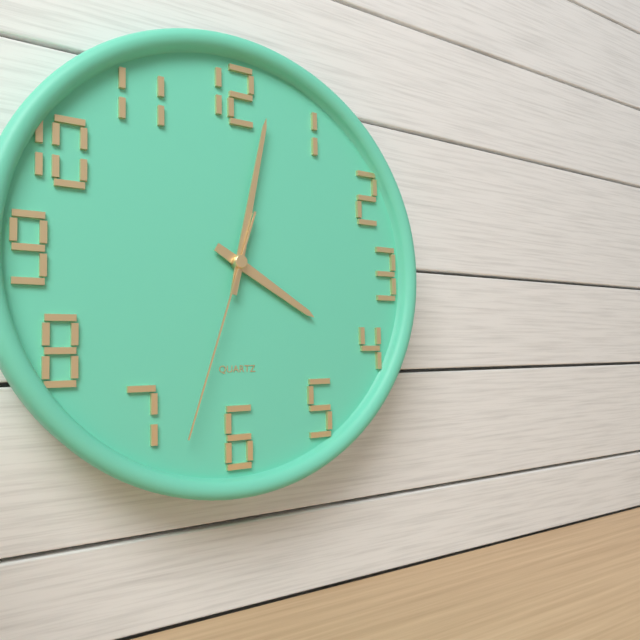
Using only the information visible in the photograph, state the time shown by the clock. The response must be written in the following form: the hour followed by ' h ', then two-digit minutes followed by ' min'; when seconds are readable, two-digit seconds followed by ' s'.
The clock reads 4 h 02 min 33 s
